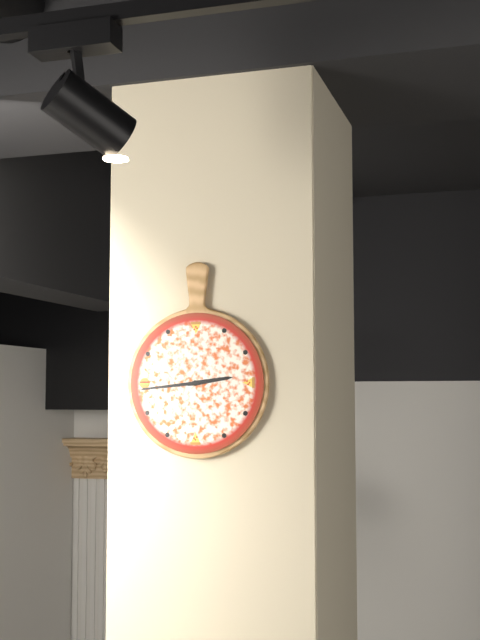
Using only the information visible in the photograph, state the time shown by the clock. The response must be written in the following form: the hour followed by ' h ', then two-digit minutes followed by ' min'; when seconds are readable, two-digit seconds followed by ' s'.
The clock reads 2 h 44 min
